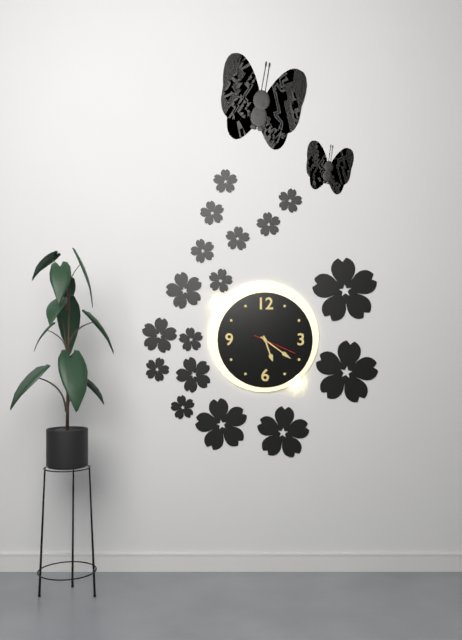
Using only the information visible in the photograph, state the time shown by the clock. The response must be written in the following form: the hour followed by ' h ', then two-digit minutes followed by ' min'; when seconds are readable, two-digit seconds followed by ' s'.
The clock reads 5 h 21 min
